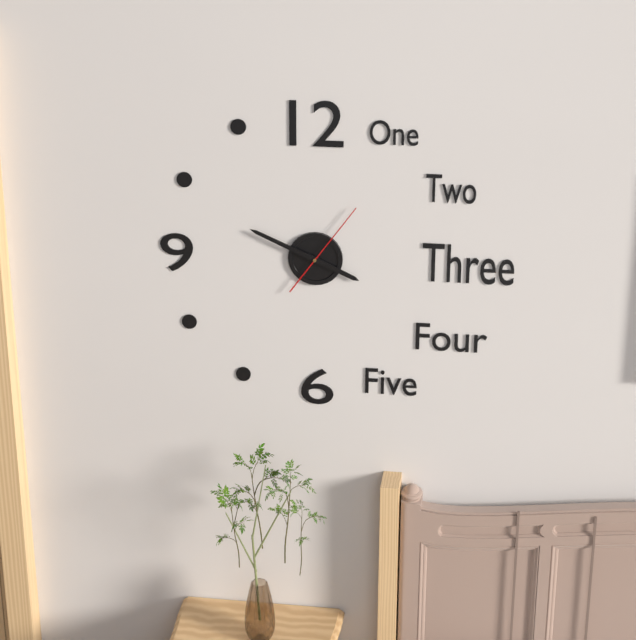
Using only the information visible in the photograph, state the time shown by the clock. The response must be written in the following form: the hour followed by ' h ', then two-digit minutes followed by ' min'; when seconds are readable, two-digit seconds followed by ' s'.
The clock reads 3 h 49 min 06 s
